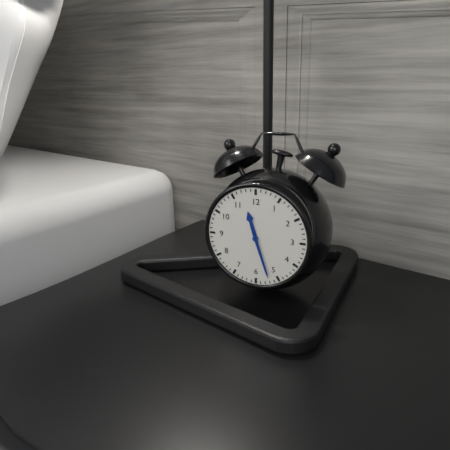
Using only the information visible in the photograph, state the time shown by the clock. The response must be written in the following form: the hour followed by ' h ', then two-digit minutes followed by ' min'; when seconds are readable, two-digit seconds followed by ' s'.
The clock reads 11 h 27 min
